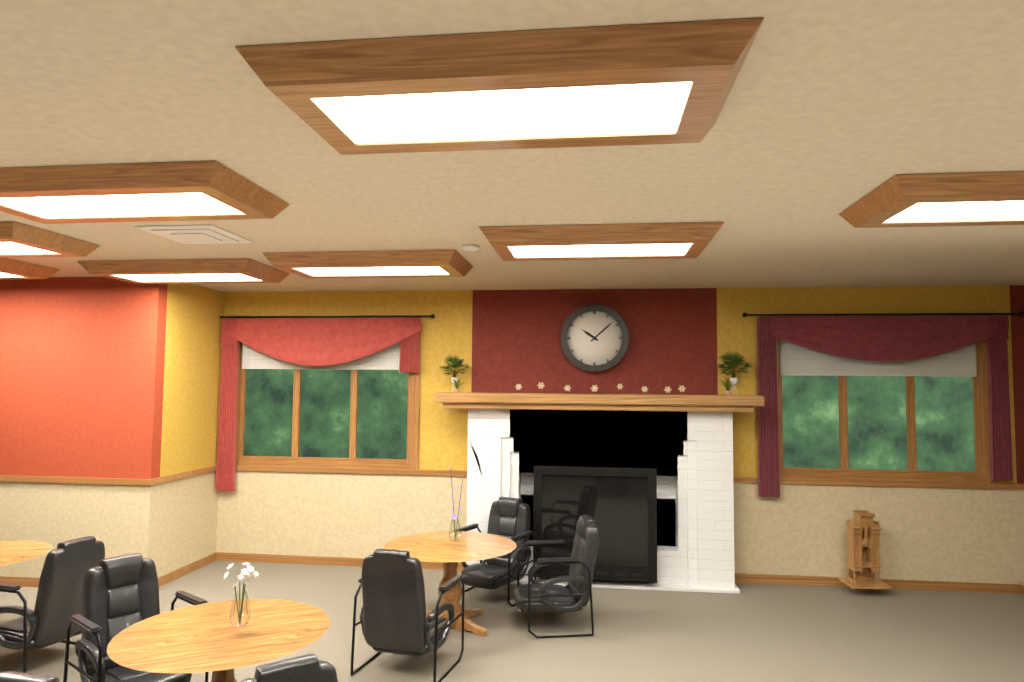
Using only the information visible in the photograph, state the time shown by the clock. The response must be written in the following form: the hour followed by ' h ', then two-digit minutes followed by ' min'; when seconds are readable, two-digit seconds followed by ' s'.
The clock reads 10 h 08 min
